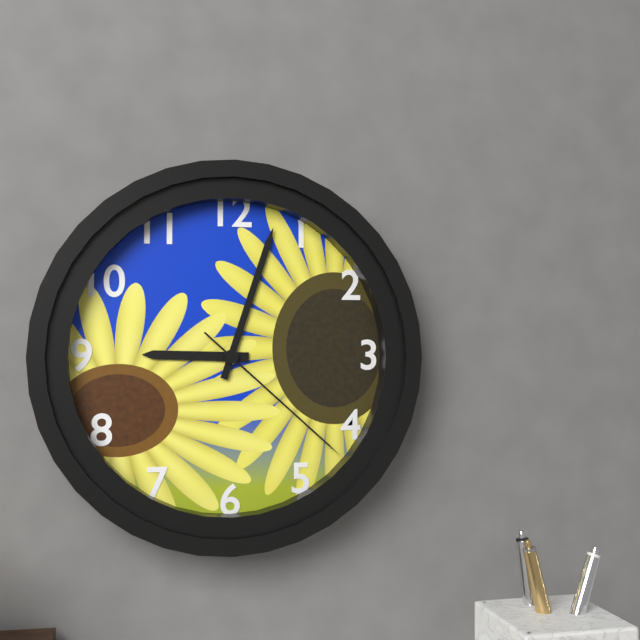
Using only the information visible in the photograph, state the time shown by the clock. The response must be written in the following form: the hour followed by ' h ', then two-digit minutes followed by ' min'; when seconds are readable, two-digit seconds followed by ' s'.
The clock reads 9 h 03 min 22 s
